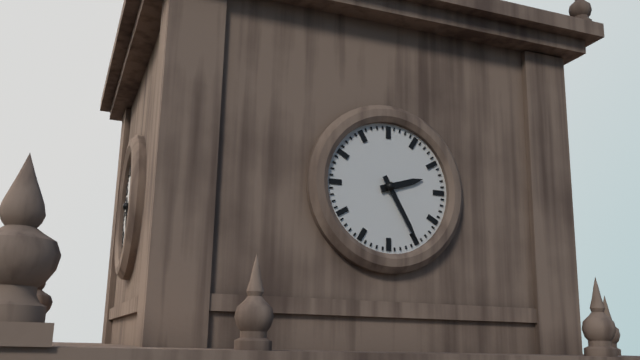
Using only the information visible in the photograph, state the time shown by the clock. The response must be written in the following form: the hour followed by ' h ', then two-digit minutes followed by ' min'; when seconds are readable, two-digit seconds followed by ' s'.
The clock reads 2 h 25 min
